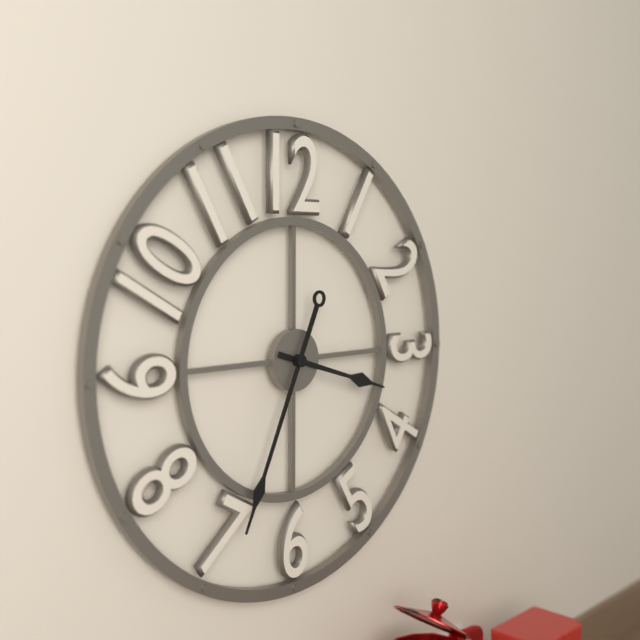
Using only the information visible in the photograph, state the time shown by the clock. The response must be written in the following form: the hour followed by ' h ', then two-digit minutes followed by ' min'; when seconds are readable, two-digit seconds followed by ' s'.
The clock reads 3 h 34 min
